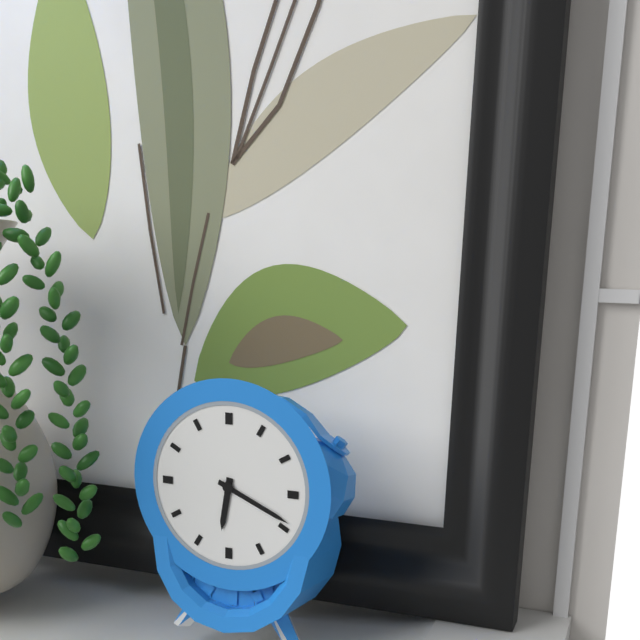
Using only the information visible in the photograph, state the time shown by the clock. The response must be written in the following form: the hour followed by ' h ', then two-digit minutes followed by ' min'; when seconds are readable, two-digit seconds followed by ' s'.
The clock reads 6 h 19 min
